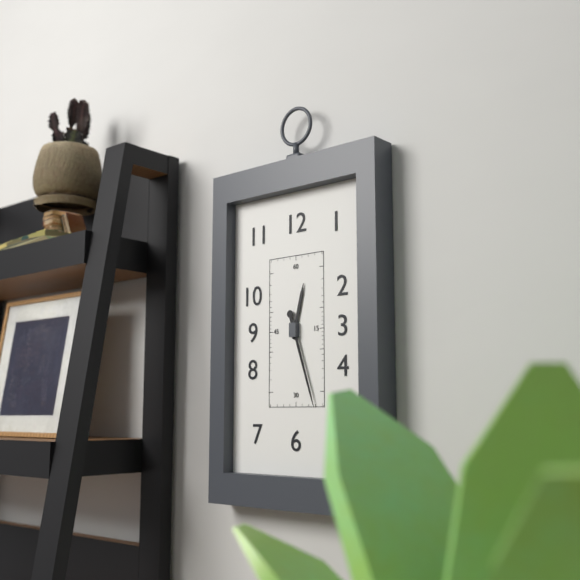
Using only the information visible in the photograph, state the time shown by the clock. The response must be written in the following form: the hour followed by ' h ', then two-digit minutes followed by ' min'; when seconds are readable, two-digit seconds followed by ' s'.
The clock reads 12 h 27 min
